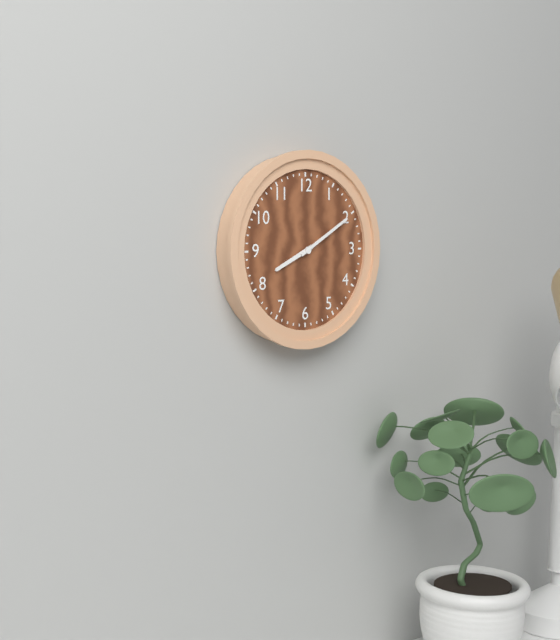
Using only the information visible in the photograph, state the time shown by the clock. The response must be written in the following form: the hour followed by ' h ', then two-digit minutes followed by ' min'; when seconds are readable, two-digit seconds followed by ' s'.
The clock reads 8 h 10 min
